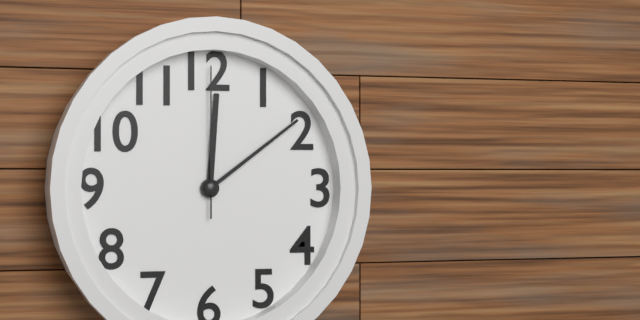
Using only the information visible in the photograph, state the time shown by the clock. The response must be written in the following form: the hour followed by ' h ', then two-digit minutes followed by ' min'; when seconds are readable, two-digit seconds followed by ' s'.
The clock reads 12 h 09 min 00 s
